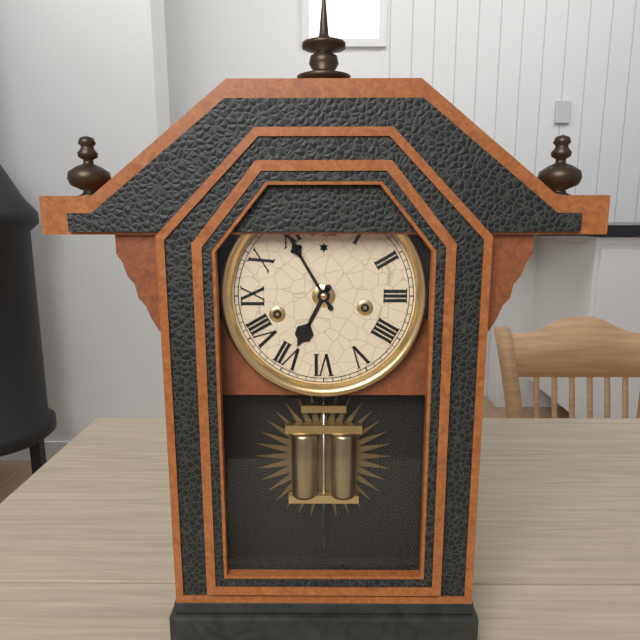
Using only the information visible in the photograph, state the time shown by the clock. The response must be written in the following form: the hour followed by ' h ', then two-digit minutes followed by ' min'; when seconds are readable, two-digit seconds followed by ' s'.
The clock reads 6 h 55 min
